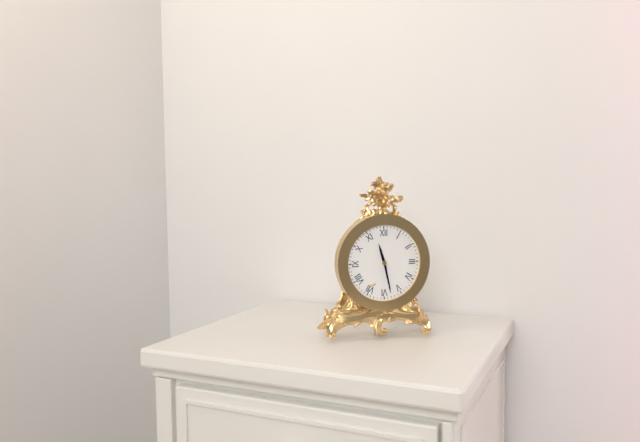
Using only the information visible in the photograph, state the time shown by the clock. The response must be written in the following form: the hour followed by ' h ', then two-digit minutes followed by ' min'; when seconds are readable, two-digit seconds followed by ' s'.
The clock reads 11 h 28 min
